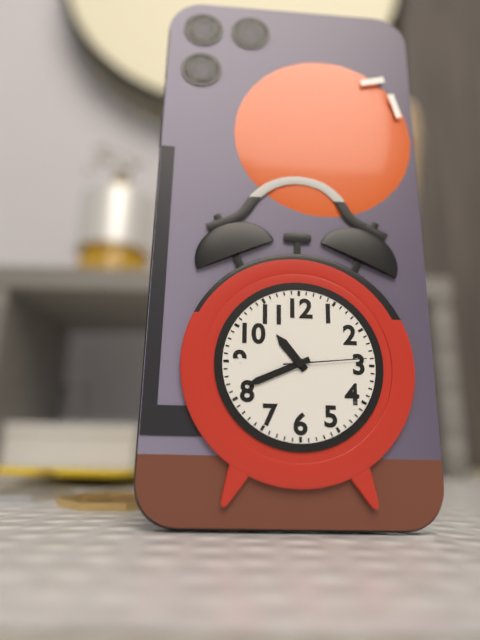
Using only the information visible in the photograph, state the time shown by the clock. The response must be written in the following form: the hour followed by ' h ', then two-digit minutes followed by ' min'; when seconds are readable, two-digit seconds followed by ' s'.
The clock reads 10 h 41 min 14 s
